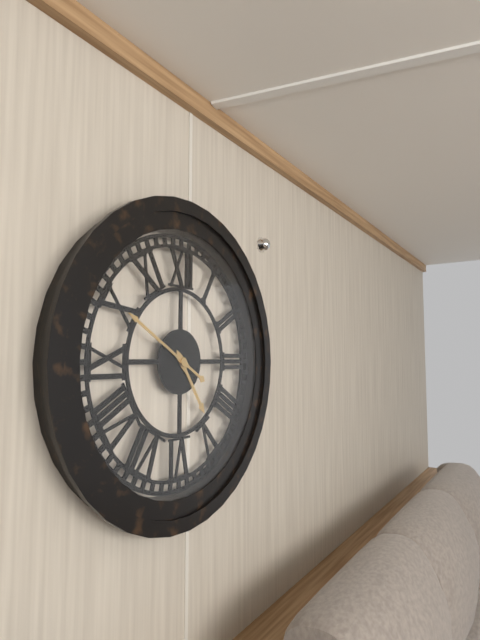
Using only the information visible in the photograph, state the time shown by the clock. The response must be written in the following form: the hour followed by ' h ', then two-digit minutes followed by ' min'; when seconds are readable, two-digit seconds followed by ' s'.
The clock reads 4 h 50 min
